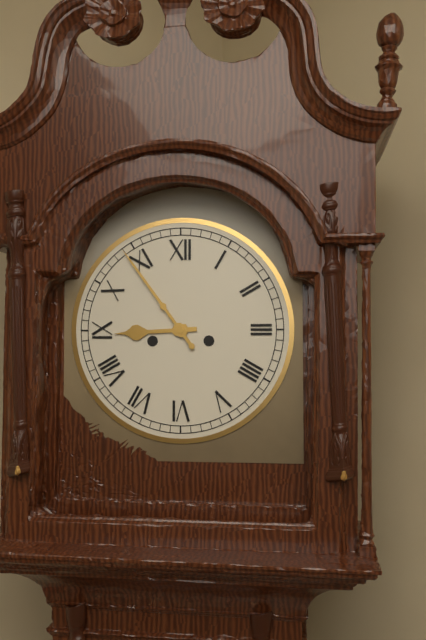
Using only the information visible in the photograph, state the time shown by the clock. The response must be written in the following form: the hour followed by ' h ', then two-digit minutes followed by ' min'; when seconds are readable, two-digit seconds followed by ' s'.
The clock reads 8 h 54 min
